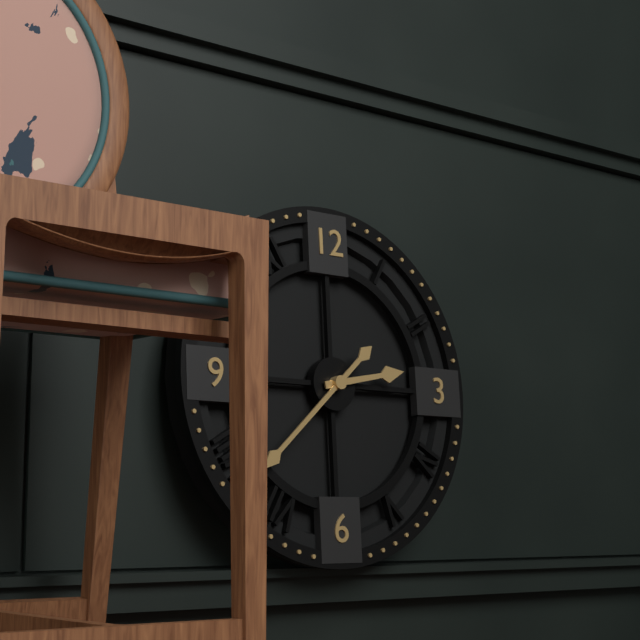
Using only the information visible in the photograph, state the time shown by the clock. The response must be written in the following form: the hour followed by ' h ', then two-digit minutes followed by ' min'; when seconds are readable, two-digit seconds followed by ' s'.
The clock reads 2 h 38 min
